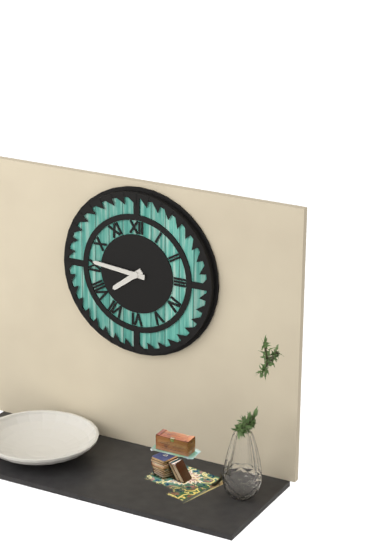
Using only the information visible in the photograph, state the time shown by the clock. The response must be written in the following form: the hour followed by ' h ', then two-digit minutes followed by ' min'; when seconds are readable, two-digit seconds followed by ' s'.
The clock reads 7 h 46 min
